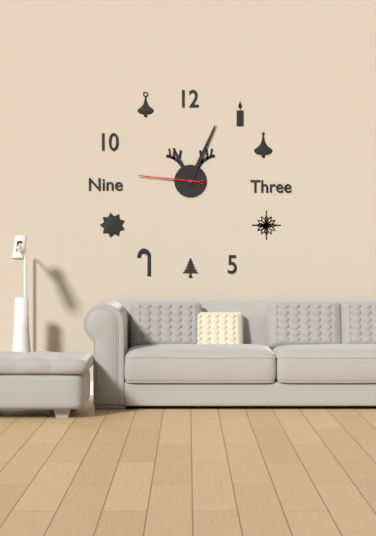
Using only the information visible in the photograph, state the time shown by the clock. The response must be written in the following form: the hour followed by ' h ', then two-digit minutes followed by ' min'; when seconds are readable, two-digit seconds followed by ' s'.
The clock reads 11 h 04 min 46 s
